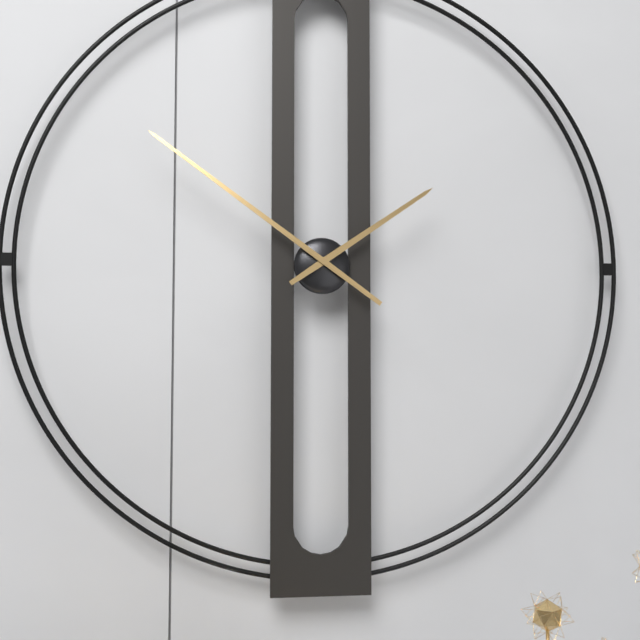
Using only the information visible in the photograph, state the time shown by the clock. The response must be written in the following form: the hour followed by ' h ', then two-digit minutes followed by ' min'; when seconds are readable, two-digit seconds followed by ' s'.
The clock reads 1 h 51 min
